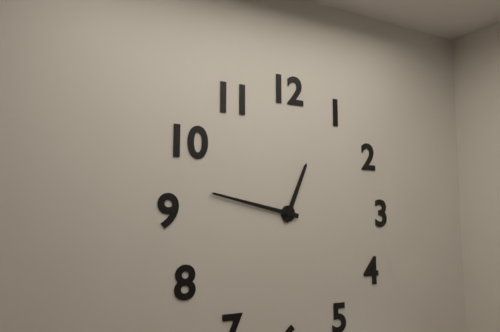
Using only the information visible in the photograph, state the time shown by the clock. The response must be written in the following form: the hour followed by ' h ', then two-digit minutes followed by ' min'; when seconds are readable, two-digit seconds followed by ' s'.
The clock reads 12 h 47 min
